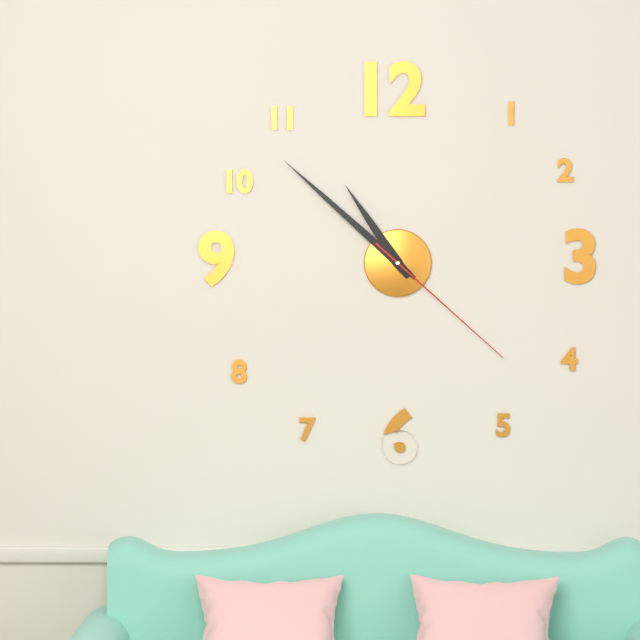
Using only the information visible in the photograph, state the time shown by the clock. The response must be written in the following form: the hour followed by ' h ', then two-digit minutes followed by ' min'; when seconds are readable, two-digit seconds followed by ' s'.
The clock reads 10 h 52 min 22 s
